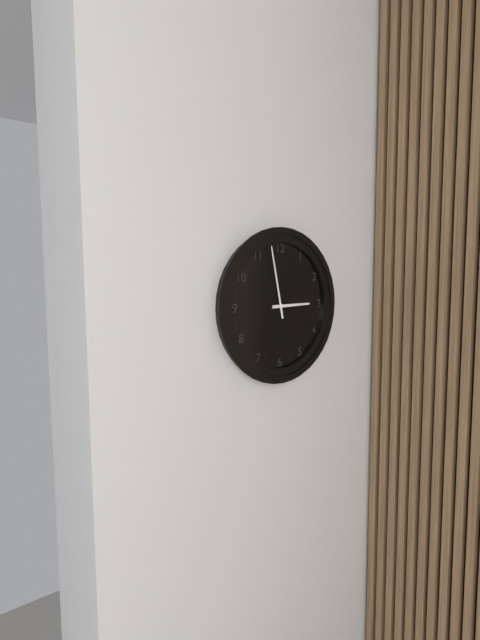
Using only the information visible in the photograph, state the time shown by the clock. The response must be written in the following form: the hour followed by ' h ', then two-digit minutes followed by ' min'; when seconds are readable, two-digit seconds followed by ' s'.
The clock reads 2 h 58 min
